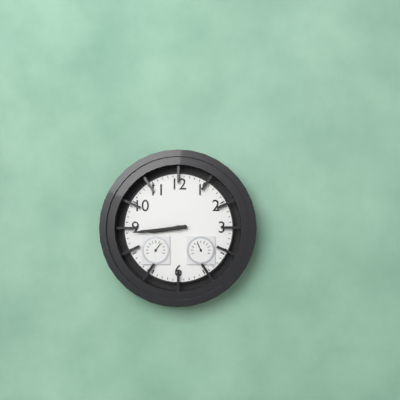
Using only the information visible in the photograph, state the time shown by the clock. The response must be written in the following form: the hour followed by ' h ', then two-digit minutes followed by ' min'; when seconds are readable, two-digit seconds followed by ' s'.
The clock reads 8 h 44 min
